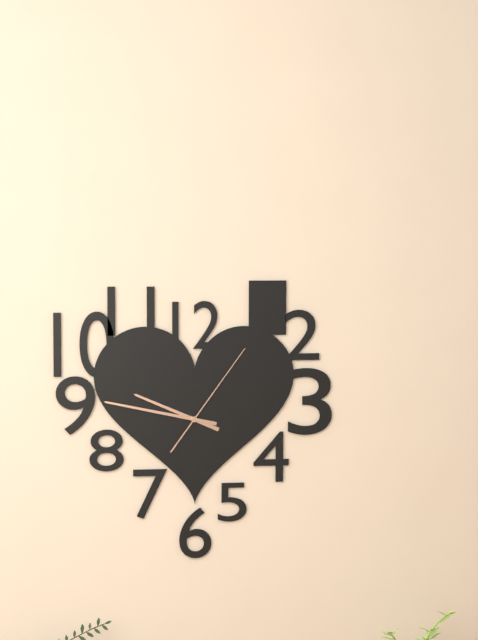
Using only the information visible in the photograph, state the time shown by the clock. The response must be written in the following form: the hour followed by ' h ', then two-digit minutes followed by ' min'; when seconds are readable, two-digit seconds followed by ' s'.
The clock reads 9 h 47 min 06 s
